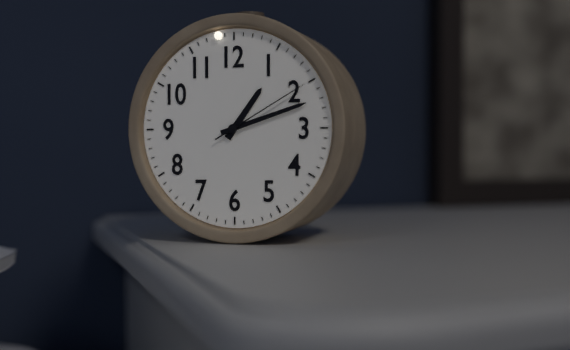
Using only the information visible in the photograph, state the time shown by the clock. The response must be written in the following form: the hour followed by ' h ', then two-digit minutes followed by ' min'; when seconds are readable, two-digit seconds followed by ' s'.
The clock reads 1 h 12 min 10 s
